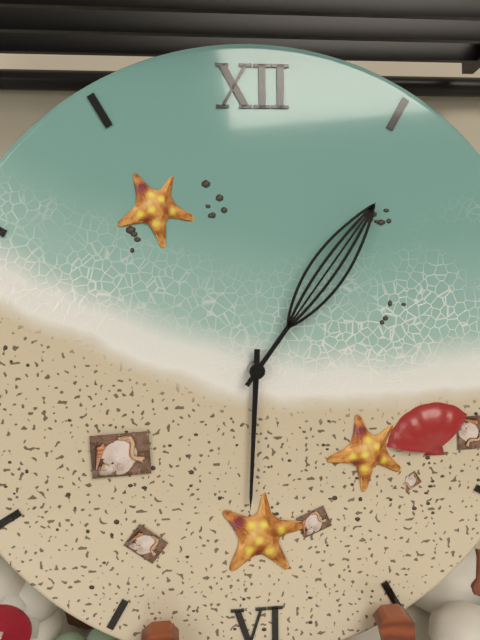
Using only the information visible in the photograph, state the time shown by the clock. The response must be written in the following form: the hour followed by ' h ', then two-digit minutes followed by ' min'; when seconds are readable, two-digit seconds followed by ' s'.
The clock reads 6 h 06 min
